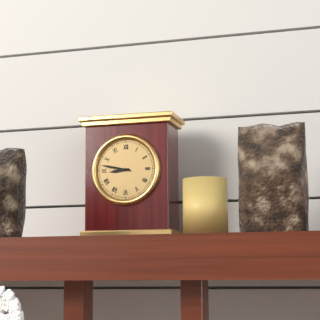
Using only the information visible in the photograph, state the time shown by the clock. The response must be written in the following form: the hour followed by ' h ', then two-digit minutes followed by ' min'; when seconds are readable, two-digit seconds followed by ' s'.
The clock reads 8 h 47 min
